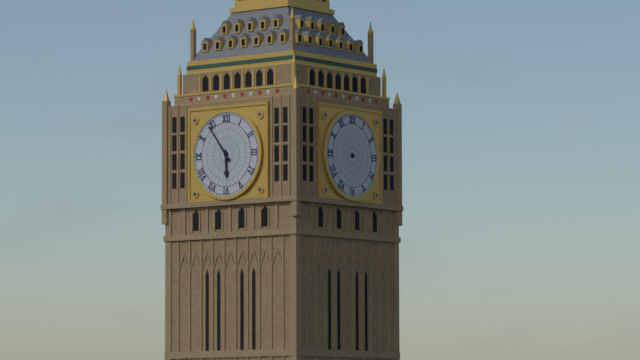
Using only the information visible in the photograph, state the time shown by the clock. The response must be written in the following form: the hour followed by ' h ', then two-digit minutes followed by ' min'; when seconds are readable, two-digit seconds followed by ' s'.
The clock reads 5 h 54 min
